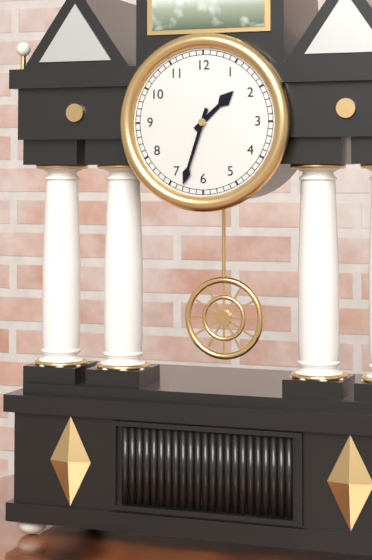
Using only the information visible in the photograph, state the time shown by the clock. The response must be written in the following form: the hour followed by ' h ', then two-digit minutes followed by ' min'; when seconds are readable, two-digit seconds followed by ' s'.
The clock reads 1 h 33 min
